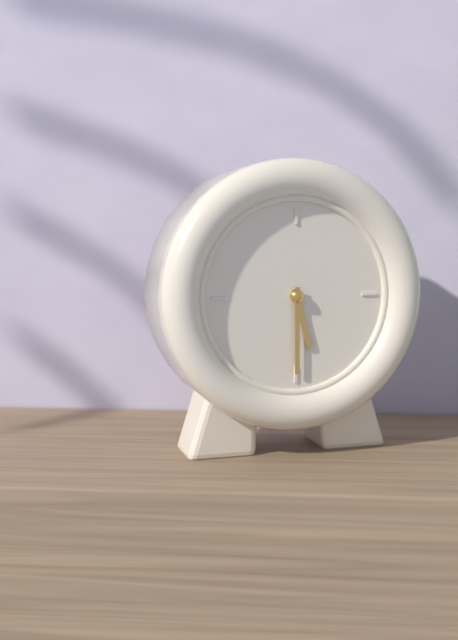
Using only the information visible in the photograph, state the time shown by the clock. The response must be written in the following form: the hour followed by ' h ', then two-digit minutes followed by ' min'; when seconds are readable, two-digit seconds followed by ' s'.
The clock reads 5 h 30 min
